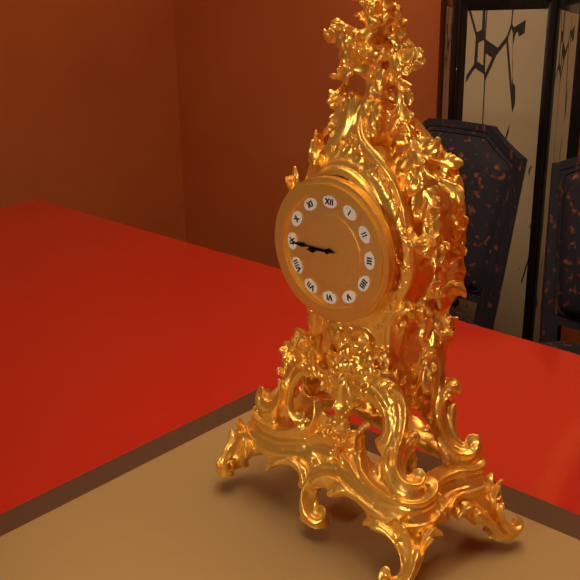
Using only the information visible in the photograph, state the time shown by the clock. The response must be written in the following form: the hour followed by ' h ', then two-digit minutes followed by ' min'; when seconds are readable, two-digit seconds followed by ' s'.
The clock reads 8 h 45 min
